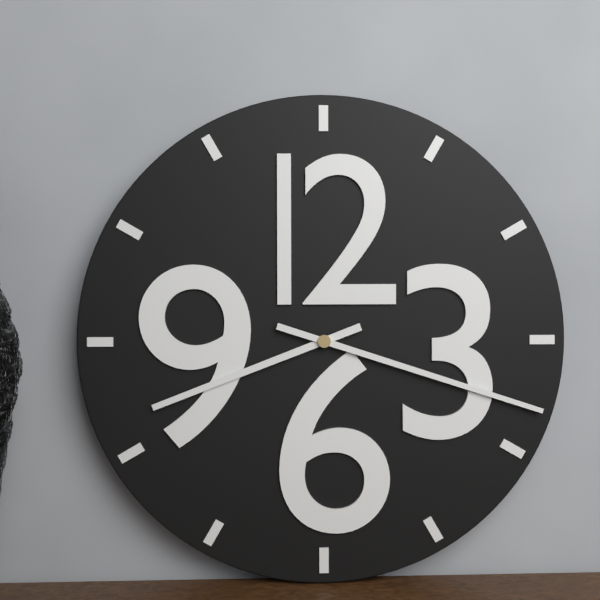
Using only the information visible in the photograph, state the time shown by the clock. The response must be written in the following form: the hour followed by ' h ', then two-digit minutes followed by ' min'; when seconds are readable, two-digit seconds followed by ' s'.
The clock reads 8 h 18 min
